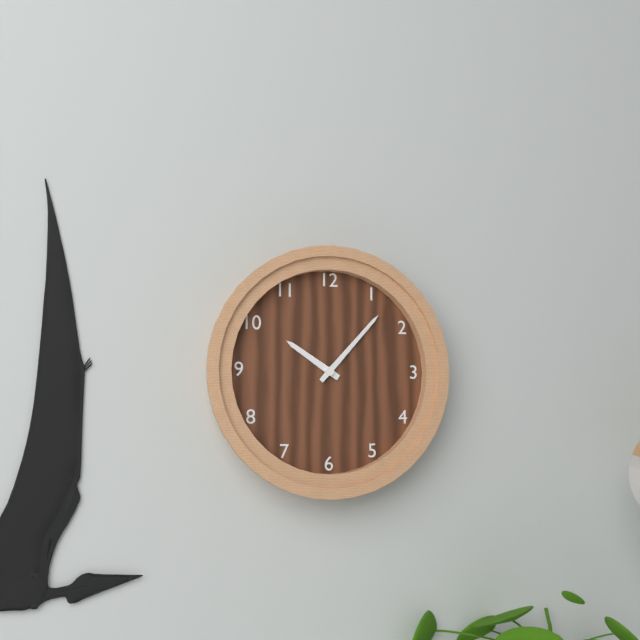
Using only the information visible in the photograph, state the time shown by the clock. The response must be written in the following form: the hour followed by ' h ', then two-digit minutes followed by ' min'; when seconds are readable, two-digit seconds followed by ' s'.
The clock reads 10 h 07 min
